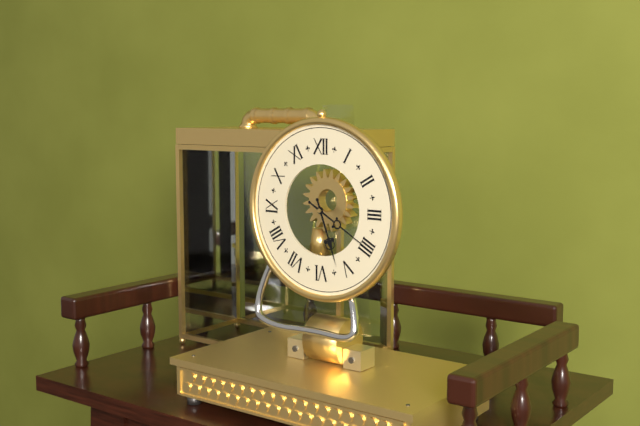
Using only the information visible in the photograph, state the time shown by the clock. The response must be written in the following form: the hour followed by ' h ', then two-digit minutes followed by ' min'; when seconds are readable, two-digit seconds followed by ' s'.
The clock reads 5 h 20 min
